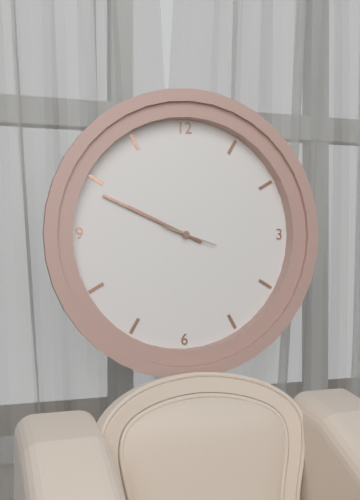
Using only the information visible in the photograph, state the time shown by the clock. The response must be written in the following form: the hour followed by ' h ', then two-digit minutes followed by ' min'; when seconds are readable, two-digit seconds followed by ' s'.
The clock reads 9 h 49 min
